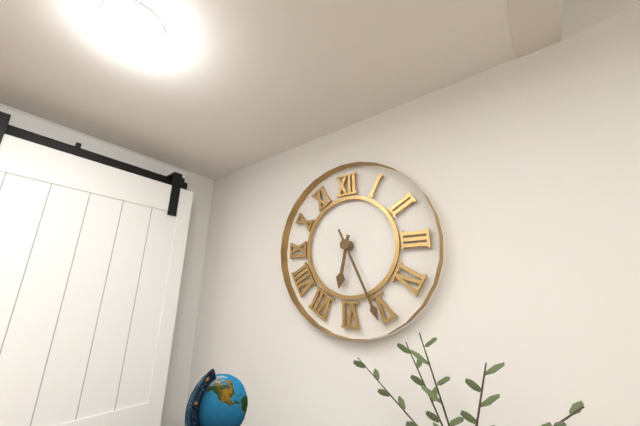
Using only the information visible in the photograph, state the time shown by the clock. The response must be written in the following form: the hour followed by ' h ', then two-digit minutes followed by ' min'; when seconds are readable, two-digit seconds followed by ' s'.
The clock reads 6 h 26 min
